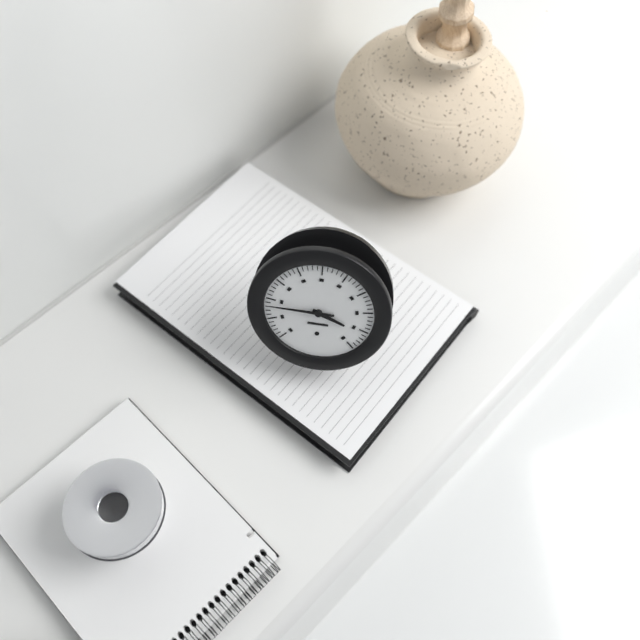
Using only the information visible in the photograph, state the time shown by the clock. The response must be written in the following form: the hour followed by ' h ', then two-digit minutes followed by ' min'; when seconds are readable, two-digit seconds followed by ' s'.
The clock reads 3 h 45 min
